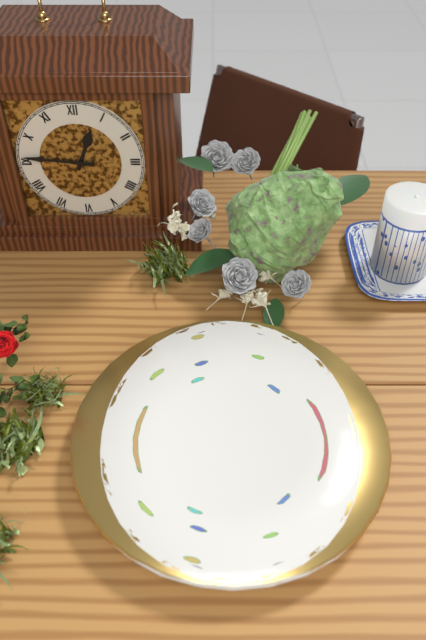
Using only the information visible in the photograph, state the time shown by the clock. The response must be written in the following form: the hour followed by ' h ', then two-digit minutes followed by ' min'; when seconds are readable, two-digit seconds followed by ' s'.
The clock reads 12 h 46 min
